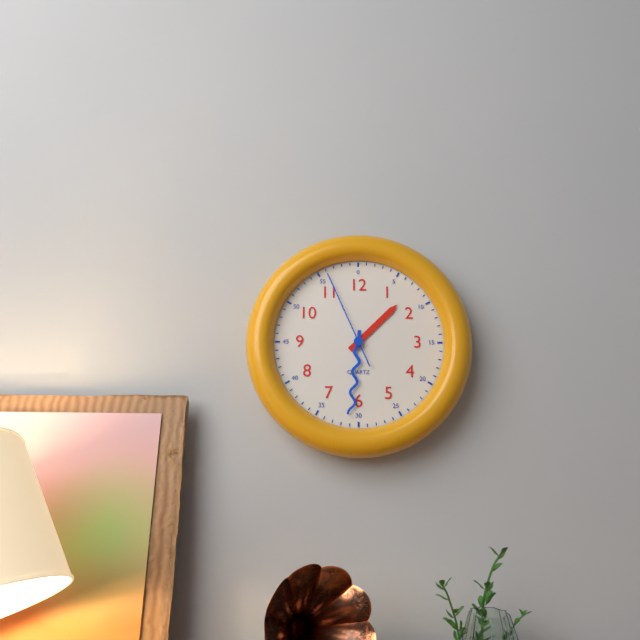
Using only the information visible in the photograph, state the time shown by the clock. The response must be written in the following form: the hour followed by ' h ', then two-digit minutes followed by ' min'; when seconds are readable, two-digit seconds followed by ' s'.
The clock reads 1 h 31 min 56 s
